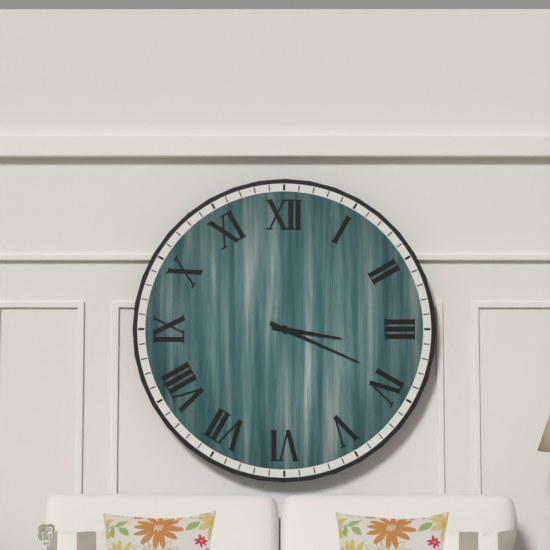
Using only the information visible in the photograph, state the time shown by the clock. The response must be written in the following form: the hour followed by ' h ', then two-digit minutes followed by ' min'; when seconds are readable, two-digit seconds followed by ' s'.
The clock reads 3 h 19 min
